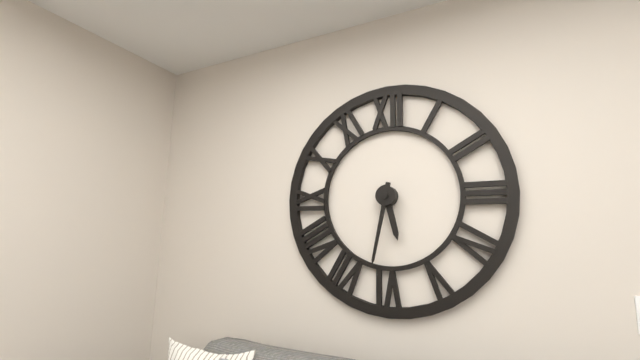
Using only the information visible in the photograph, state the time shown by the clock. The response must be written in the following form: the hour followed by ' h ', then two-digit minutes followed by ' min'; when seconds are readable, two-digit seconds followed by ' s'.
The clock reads 5 h 32 min
